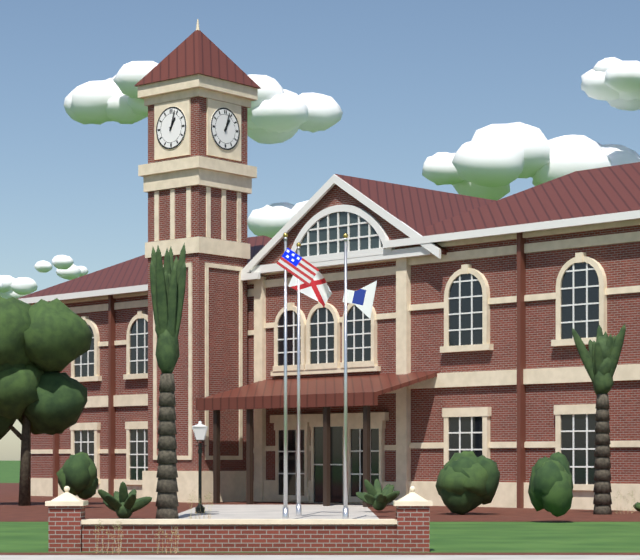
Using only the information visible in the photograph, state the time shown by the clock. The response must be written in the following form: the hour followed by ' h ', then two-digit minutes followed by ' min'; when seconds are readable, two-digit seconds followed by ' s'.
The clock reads 1 h 03 min
